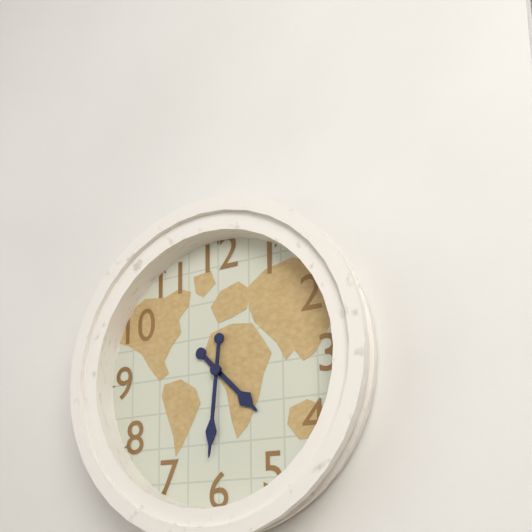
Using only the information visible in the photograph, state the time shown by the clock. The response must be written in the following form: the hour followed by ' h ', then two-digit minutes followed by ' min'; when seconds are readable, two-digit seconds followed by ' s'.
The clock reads 4 h 31 min
